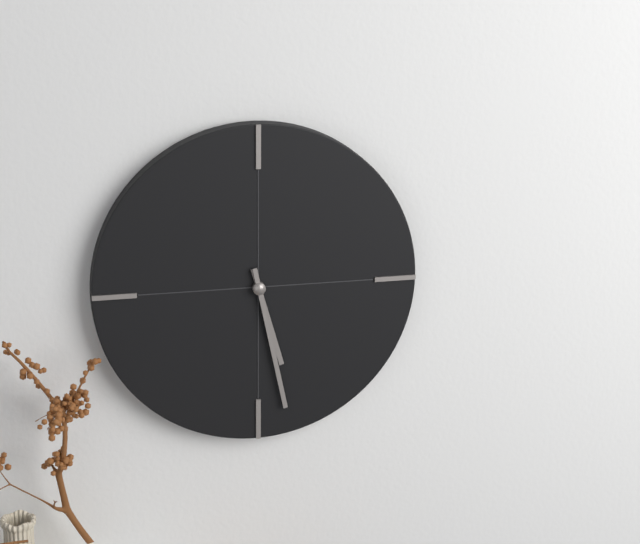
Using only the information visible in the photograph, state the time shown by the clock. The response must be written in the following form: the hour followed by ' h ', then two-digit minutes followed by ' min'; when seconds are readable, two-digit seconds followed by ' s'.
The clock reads 5 h 28 min
